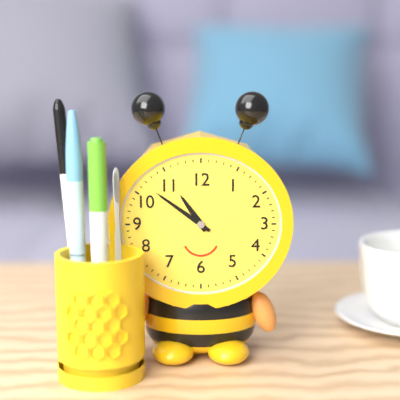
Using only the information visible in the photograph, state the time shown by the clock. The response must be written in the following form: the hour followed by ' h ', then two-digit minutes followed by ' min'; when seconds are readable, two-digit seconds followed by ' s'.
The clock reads 10 h 51 min
